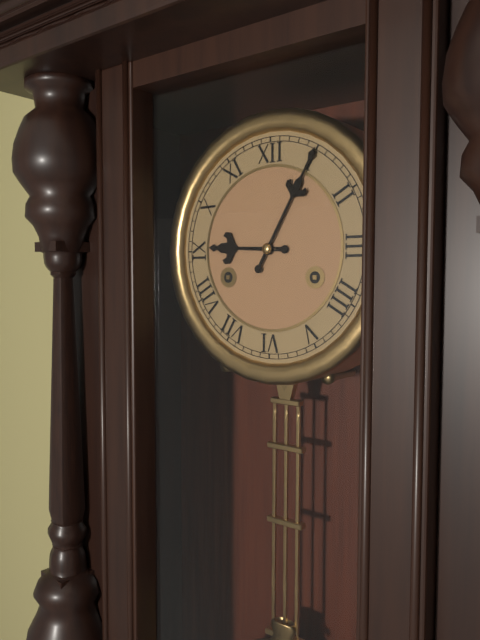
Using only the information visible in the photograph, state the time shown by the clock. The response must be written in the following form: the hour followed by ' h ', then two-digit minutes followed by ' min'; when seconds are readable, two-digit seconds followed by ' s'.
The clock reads 9 h 05 min
